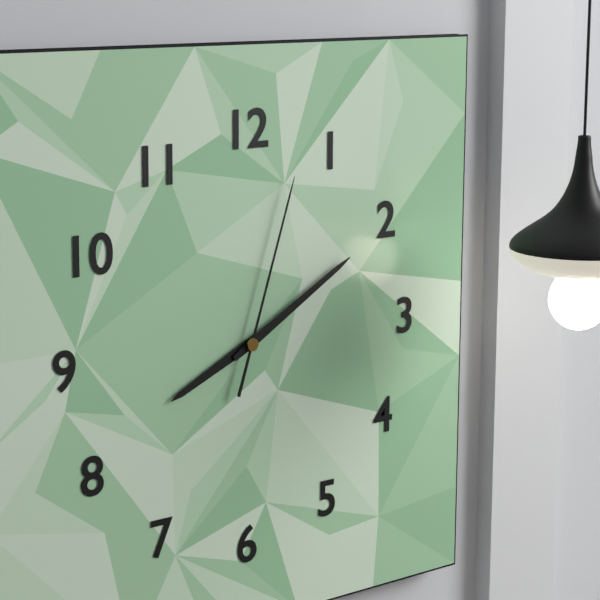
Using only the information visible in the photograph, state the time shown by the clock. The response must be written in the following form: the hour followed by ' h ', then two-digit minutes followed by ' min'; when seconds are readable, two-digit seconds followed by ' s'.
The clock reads 8 h 10 min 03 s
